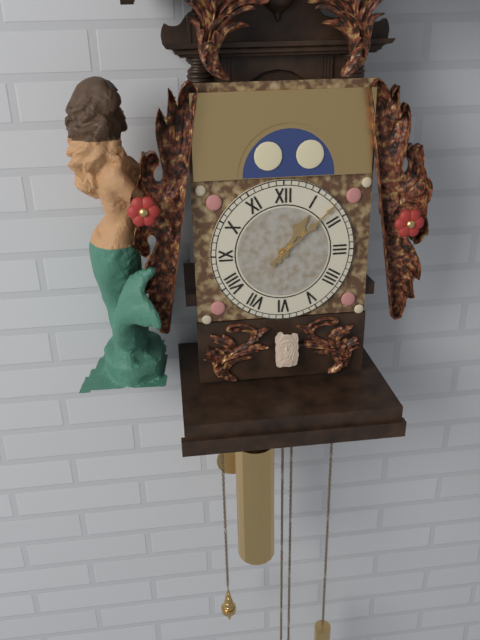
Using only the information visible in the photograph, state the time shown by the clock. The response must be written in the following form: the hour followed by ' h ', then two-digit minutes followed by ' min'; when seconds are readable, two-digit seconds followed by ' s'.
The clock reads 1 h 08 min
